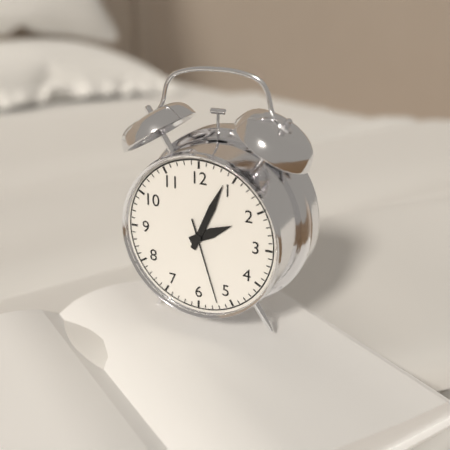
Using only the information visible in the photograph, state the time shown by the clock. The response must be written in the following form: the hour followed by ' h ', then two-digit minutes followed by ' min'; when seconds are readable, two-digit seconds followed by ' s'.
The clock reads 2 h 04 min 27 s
